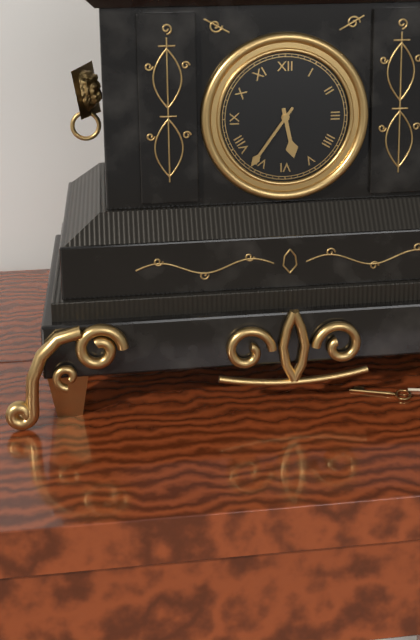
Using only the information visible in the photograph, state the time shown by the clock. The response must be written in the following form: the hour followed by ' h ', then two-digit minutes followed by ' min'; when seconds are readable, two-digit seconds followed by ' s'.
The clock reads 5 h 36 min
